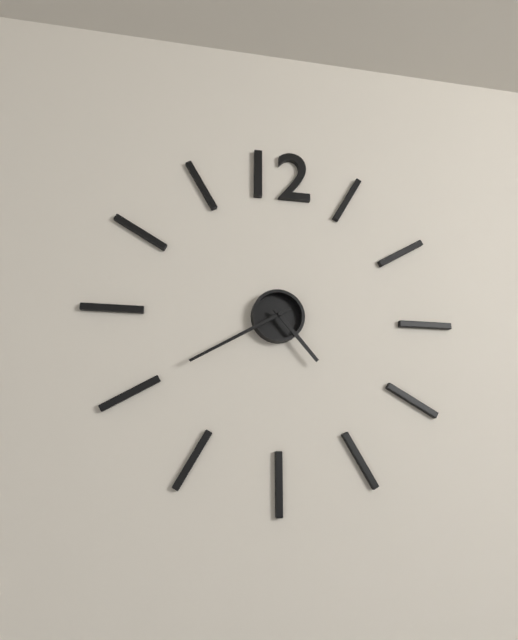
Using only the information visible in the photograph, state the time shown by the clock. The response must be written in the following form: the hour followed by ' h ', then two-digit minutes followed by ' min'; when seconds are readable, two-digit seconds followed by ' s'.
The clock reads 4 h 40 min
